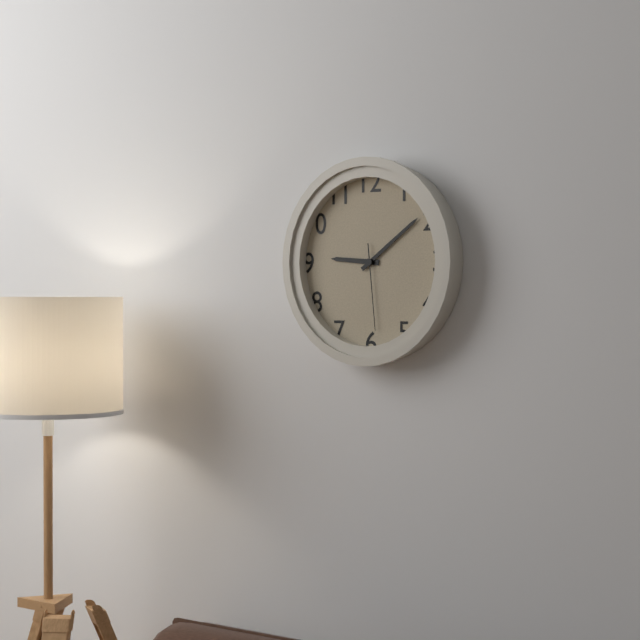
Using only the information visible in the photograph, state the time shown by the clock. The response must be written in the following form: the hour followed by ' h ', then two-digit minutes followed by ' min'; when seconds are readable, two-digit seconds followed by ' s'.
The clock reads 9 h 09 min 29 s
